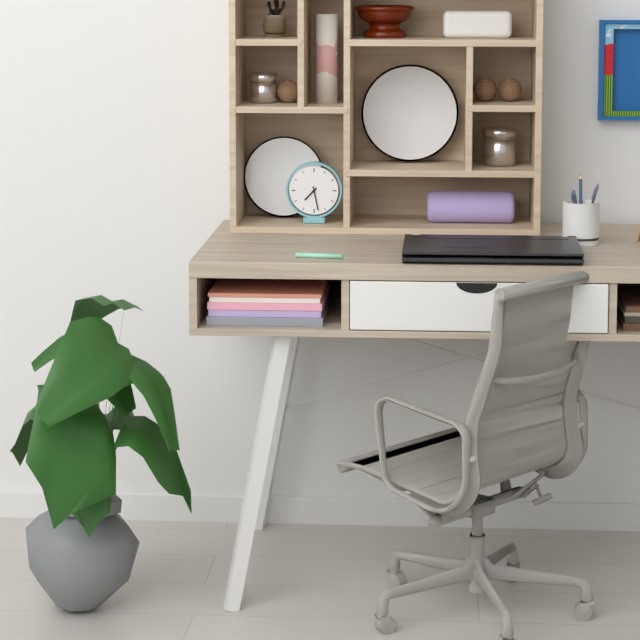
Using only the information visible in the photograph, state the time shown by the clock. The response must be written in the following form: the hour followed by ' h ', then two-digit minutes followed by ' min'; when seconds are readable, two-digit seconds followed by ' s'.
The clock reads 7 h 28 min
